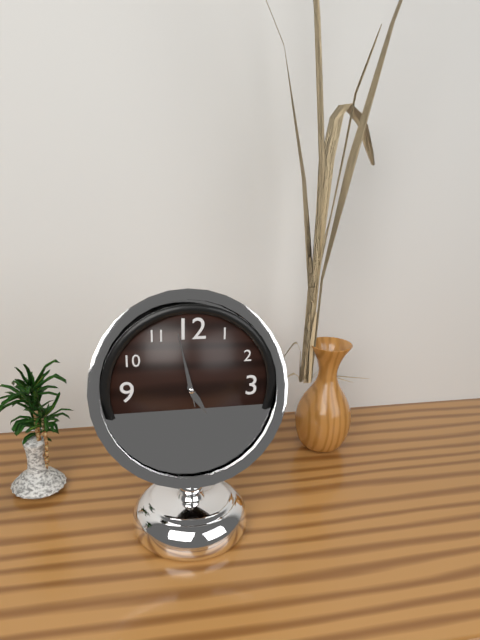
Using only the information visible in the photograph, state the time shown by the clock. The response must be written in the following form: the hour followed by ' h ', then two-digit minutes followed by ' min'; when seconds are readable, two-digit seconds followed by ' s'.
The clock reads 4 h 58 min 58 s
